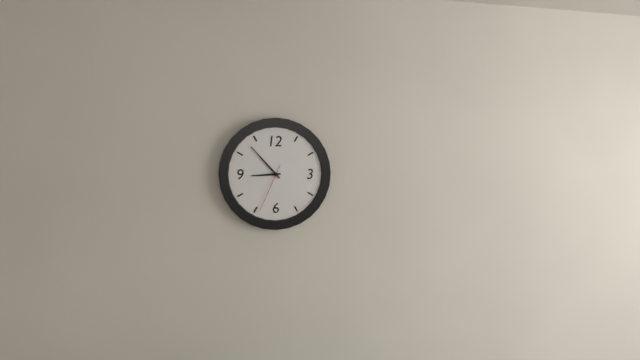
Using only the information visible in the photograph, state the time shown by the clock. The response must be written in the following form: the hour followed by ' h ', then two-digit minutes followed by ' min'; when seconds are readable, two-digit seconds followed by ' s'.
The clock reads 8 h 53 min 34 s
